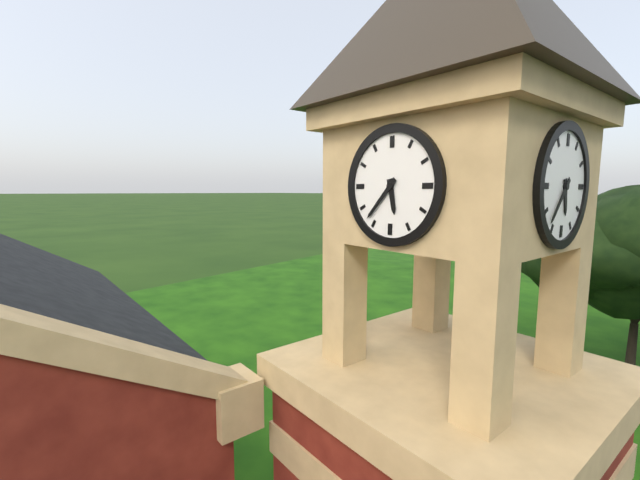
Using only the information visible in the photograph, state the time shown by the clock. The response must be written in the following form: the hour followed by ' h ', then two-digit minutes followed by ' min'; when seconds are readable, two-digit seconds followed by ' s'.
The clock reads 5 h 37 min
